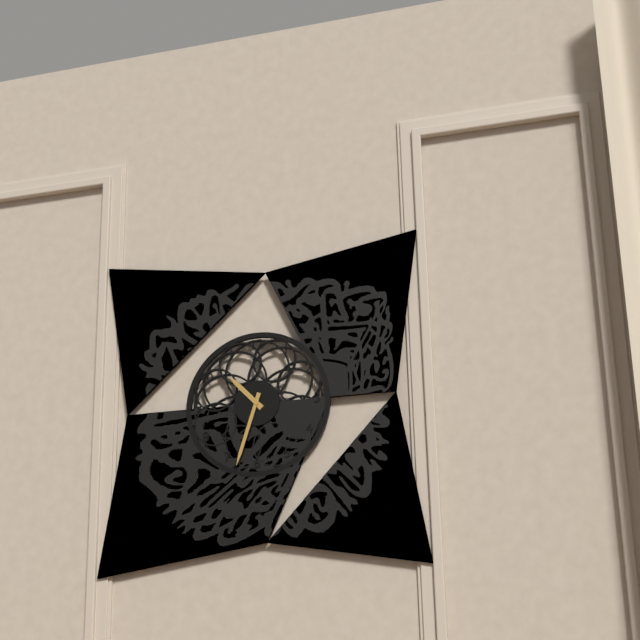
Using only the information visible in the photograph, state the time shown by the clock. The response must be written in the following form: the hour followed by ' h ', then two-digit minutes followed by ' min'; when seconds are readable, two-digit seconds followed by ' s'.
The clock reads 10 h 33 min
